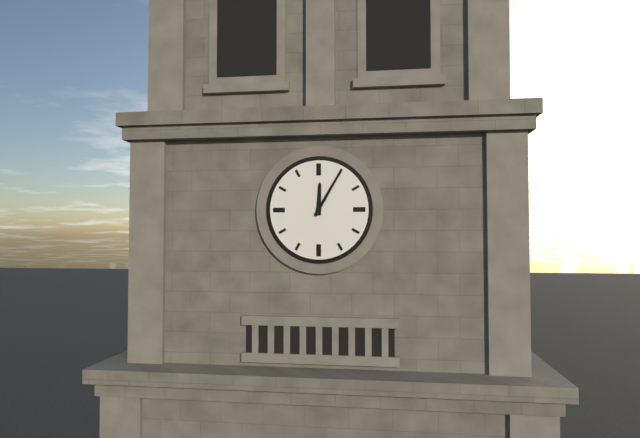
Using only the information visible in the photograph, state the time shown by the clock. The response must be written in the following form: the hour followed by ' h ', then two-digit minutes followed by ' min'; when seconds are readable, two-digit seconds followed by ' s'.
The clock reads 12 h 05 min
